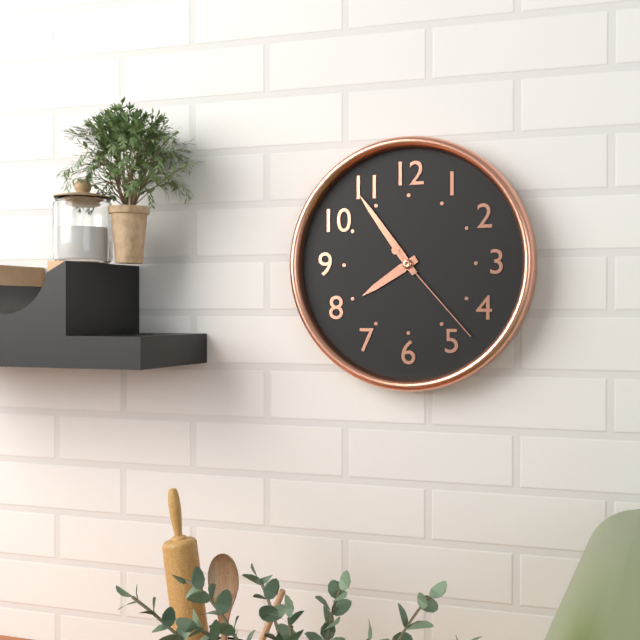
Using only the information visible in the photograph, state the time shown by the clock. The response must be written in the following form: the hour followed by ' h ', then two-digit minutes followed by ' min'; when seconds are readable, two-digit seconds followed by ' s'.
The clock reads 7 h 54 min 23 s
